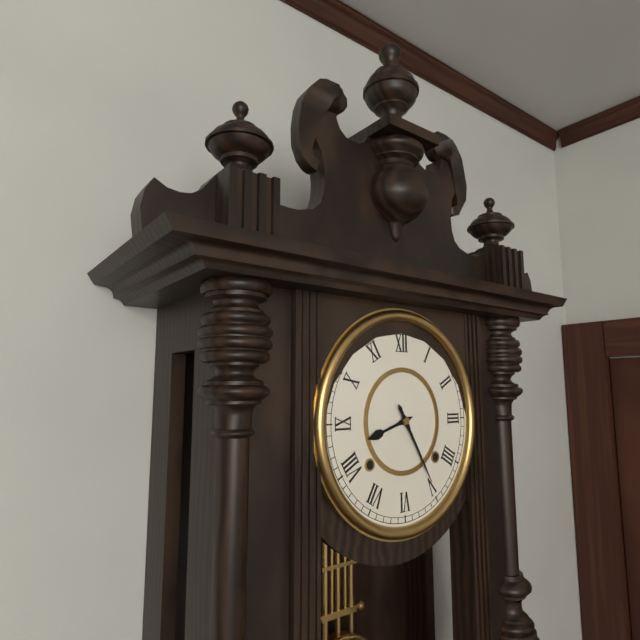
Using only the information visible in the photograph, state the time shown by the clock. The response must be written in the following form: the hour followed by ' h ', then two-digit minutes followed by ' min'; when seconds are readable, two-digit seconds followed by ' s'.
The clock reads 8 h 25 min
